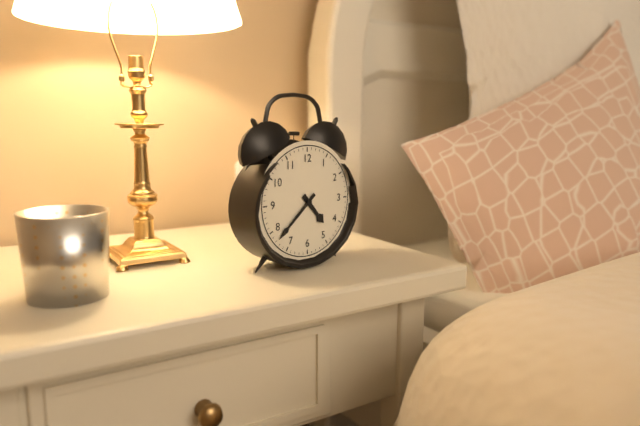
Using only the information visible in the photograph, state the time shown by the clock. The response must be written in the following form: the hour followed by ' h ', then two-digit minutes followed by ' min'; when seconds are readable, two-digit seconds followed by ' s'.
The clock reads 4 h 38 min
